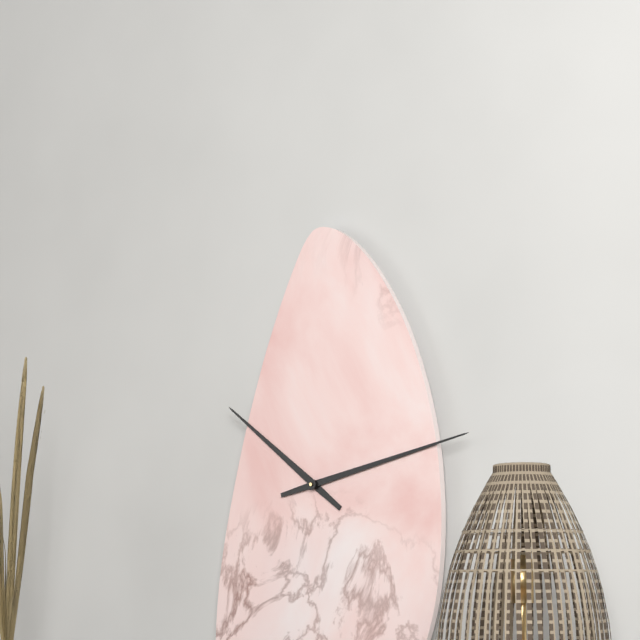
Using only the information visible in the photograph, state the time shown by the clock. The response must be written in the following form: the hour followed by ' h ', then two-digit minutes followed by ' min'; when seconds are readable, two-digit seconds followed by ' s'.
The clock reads 10 h 13 min
